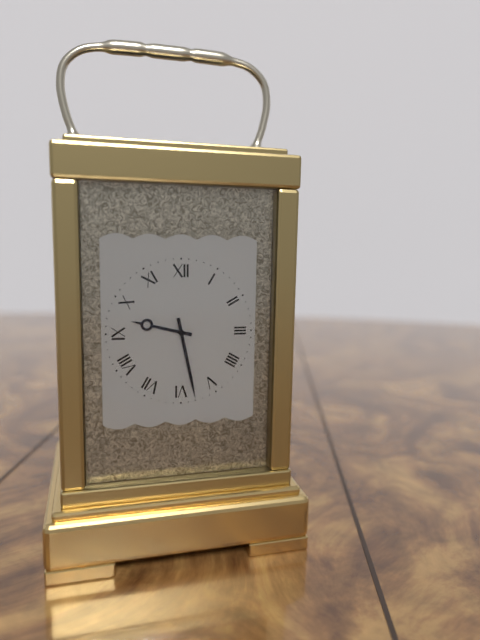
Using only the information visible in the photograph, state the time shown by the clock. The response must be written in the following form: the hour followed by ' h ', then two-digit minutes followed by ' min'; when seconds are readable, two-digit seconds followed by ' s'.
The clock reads 9 h 28 min
